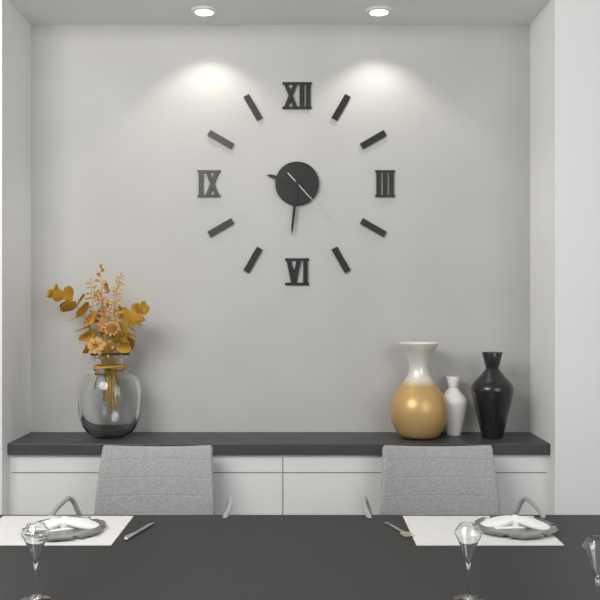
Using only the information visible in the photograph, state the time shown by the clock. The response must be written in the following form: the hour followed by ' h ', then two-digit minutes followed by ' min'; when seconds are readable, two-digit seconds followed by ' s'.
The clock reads 9 h 31 min 23 s
